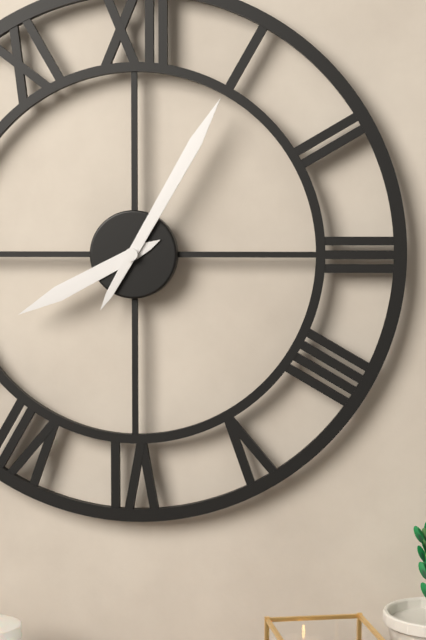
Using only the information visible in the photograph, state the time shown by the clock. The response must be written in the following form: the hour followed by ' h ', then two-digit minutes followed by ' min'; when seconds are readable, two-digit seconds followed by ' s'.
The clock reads 8 h 05 min
